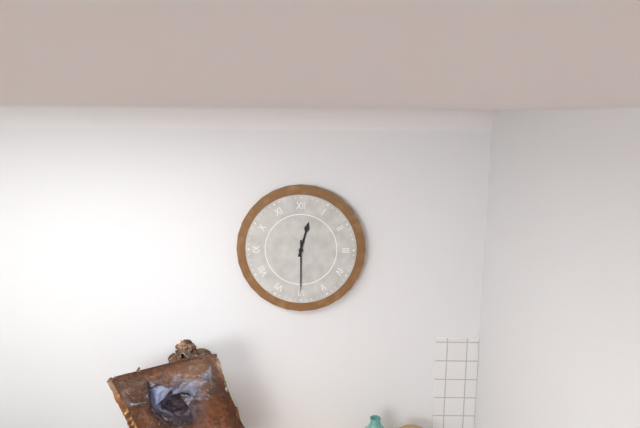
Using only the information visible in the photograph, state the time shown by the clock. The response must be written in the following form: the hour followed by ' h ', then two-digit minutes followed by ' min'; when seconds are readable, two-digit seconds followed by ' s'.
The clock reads 12 h 30 min
